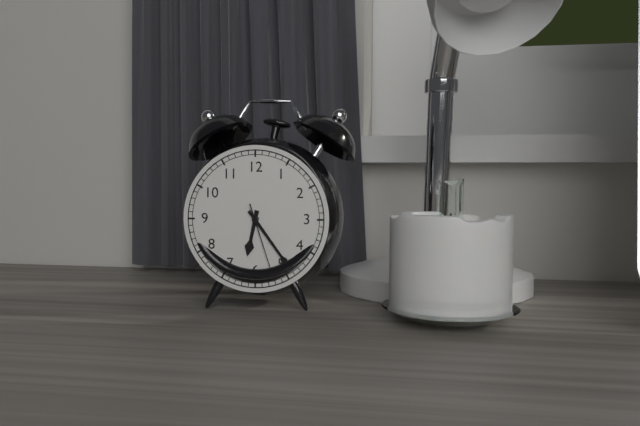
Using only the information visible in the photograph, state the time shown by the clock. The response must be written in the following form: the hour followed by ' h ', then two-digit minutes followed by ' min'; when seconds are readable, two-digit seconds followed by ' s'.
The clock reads 6 h 24 min 27 s
